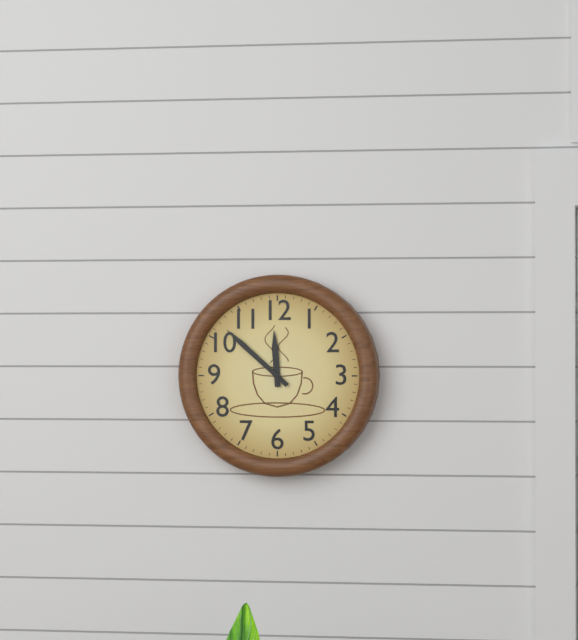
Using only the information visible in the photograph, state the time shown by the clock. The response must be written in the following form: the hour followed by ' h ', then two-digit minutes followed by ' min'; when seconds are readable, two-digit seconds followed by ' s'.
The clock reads 11 h 52 min
